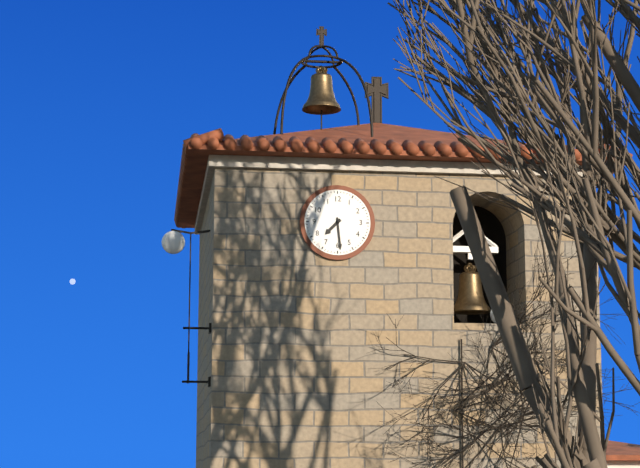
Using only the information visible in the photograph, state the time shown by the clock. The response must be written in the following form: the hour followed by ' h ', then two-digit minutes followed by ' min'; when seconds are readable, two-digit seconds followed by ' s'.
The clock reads 7 h 29 min
